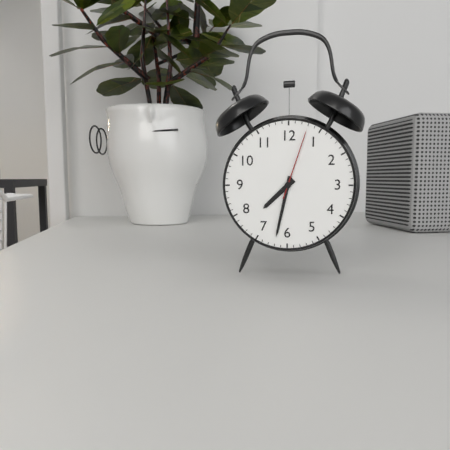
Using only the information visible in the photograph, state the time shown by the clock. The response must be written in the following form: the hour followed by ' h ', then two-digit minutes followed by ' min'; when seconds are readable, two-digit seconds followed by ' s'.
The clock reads 7 h 32 min 03 s
